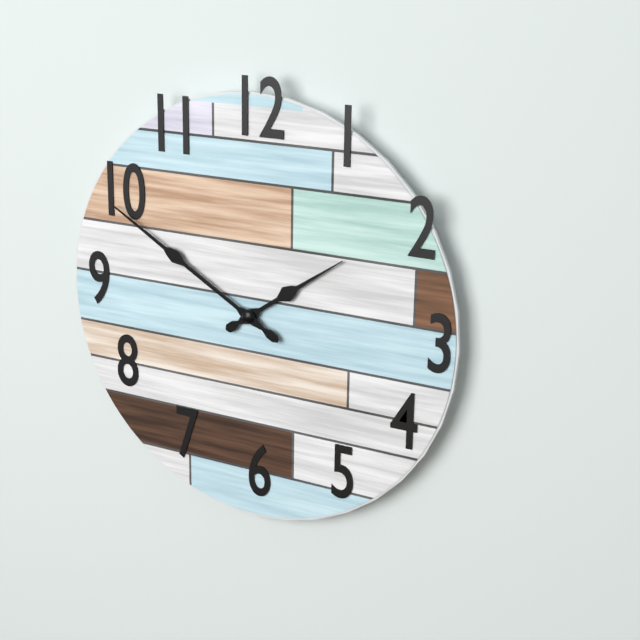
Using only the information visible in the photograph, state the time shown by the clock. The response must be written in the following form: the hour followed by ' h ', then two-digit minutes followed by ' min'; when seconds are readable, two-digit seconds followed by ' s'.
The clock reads 1 h 50 min
